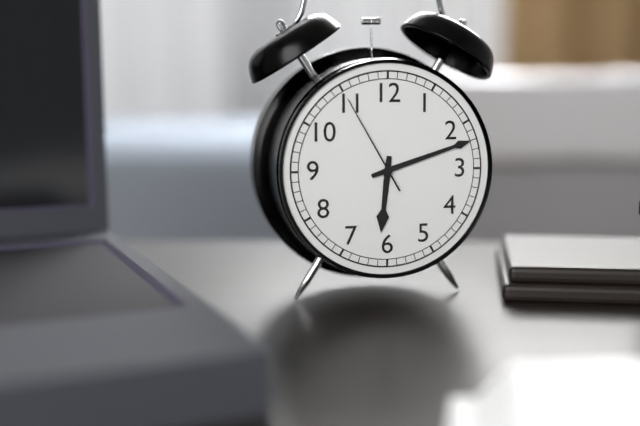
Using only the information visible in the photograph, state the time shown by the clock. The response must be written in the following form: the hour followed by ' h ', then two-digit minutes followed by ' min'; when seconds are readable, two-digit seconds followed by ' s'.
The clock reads 6 h 12 min 55 s
